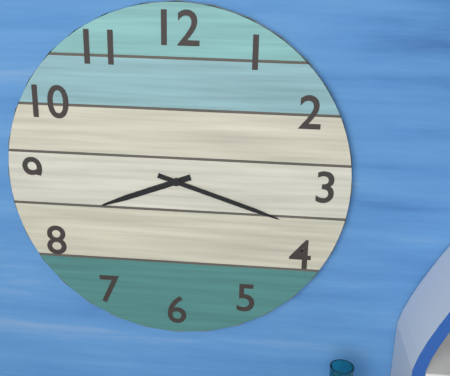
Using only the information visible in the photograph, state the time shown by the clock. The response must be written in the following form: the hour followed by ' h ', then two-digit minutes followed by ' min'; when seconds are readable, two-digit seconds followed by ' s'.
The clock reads 8 h 18 min
